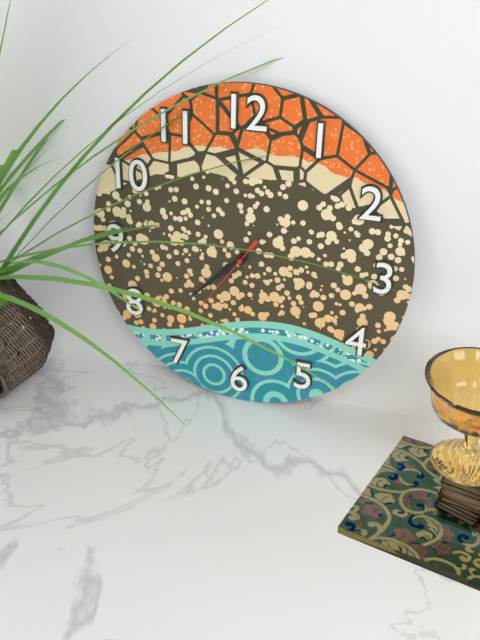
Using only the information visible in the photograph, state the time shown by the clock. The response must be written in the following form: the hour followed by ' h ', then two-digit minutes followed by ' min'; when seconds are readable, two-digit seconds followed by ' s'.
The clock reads 7 h 38 min 36 s
